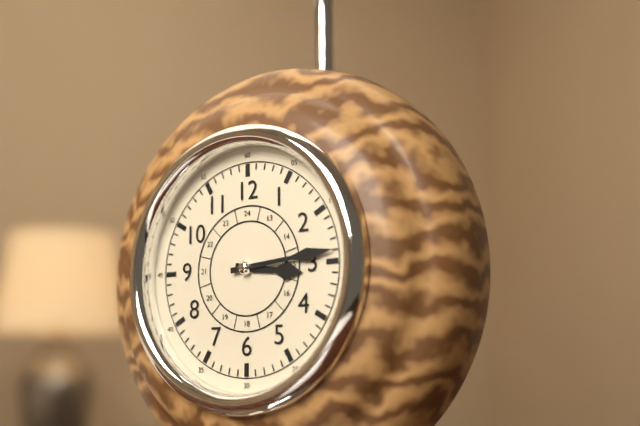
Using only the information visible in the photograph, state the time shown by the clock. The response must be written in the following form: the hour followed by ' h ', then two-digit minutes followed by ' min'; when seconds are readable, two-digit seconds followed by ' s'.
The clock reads 3 h 14 min
